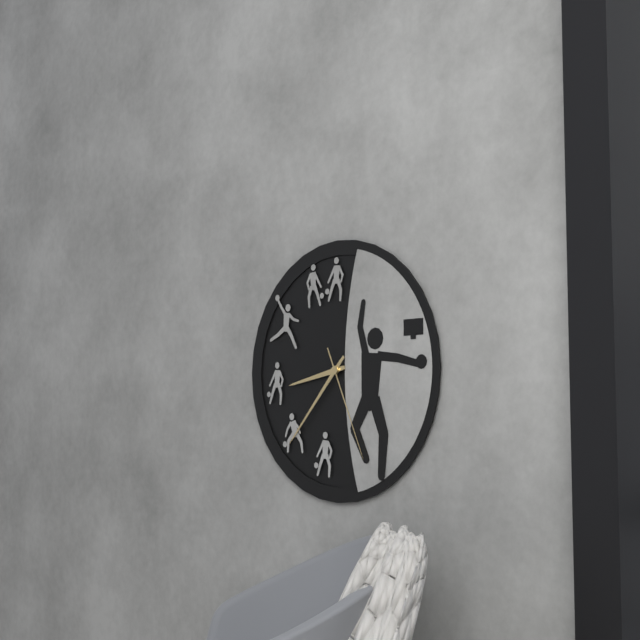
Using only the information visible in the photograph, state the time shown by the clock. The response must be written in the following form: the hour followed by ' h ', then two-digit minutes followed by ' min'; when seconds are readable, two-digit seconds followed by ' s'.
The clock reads 8 h 37 min 26 s
